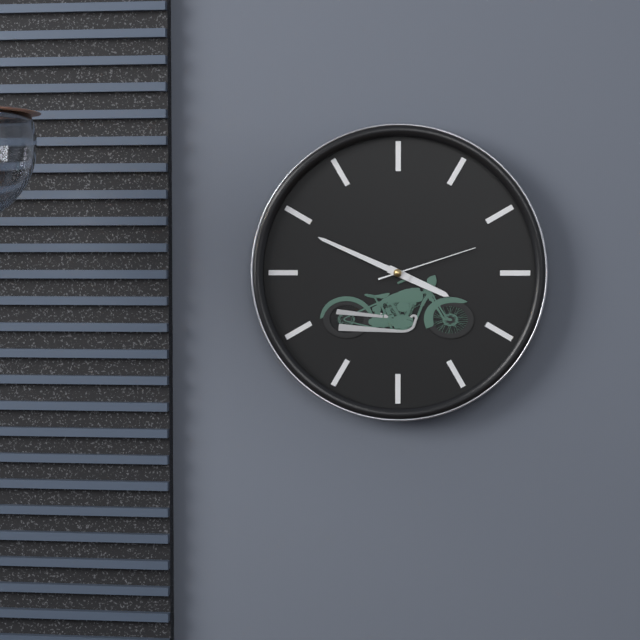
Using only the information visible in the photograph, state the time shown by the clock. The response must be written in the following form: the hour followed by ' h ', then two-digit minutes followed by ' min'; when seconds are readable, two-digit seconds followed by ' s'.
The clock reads 3 h 49 min 12 s
